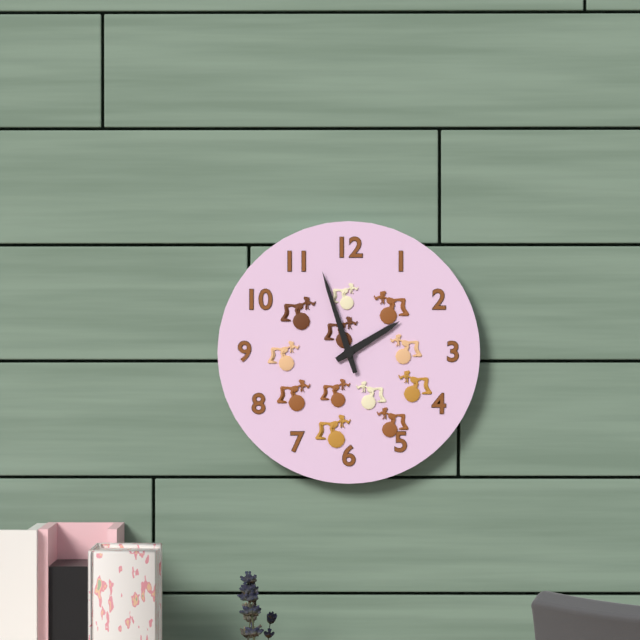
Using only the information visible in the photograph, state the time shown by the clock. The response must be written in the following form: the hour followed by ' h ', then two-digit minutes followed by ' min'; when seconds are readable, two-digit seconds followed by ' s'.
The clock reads 1 h 57 min
